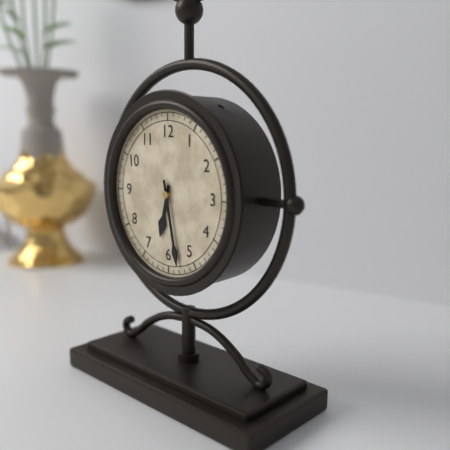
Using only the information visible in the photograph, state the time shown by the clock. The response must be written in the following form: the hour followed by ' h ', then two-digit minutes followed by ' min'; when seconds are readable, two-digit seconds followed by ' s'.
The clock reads 6 h 28 min
